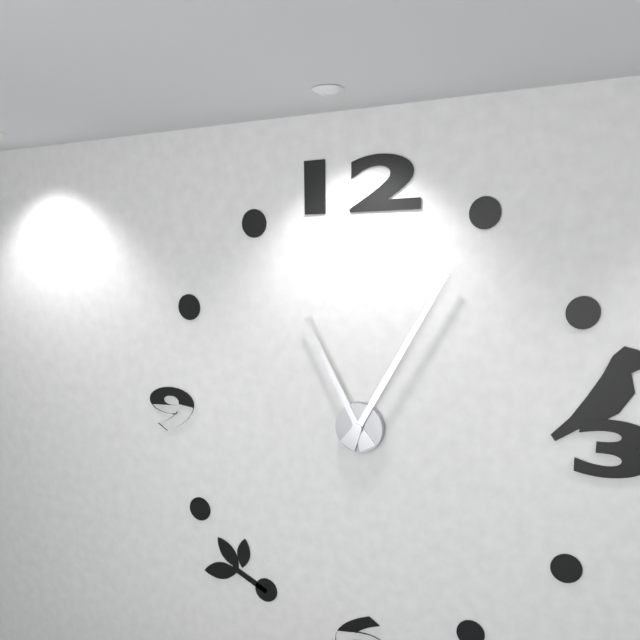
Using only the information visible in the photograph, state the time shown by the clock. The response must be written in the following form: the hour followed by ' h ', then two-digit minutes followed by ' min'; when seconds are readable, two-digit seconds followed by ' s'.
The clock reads 11 h 05 min
